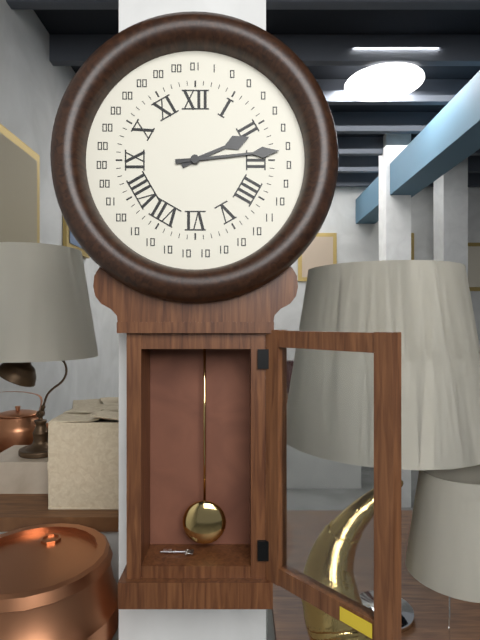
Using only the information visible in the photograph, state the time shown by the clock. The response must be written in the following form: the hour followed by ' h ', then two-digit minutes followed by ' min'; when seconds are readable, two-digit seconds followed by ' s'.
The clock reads 2 h 14 min
